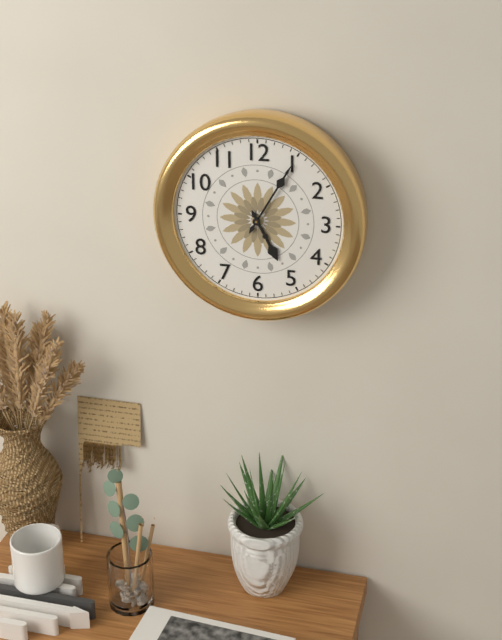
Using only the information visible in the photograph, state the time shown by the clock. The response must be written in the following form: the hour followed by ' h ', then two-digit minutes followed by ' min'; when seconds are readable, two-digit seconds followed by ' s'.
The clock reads 5 h 05 min
